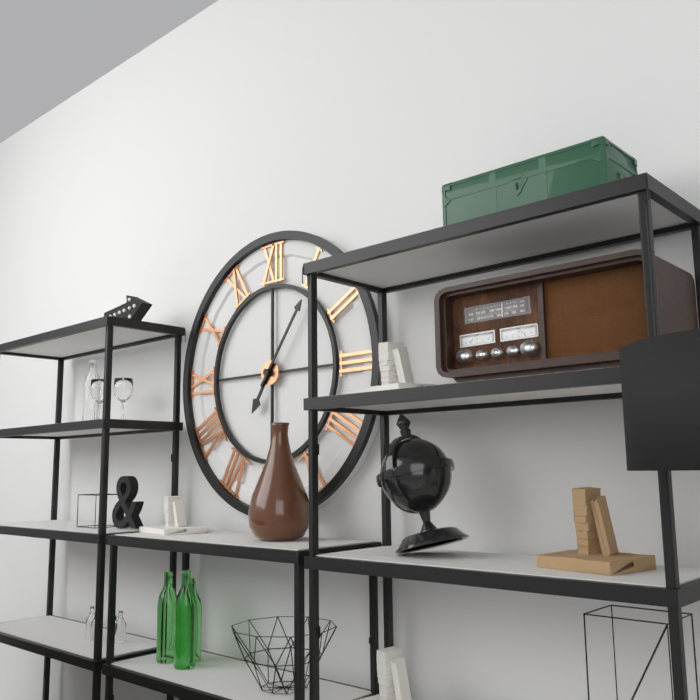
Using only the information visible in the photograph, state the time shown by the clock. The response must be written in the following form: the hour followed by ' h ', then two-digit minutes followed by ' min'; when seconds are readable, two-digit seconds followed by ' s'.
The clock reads 7 h 06 min
